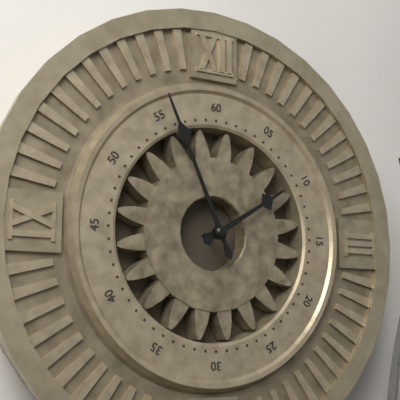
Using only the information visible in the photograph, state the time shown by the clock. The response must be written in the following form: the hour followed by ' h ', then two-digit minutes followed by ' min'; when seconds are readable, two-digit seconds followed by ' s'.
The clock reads 1 h 56 min
